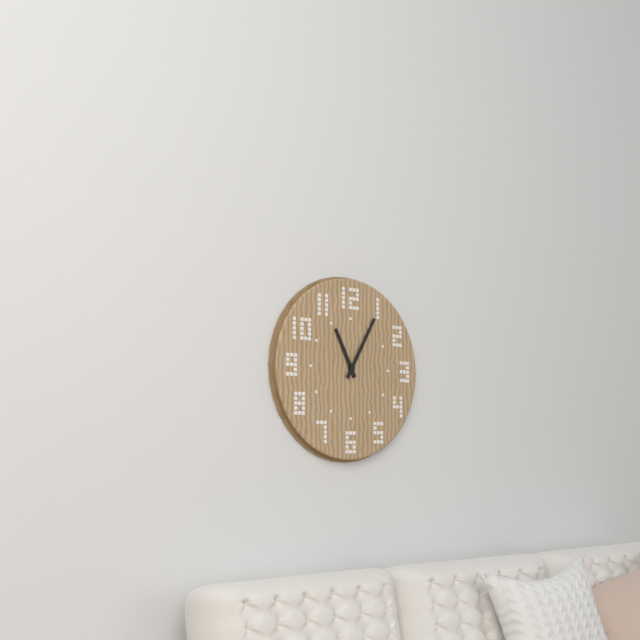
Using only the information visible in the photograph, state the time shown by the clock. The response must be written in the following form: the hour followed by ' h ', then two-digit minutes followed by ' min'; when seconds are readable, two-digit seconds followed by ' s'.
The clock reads 11 h 05 min
